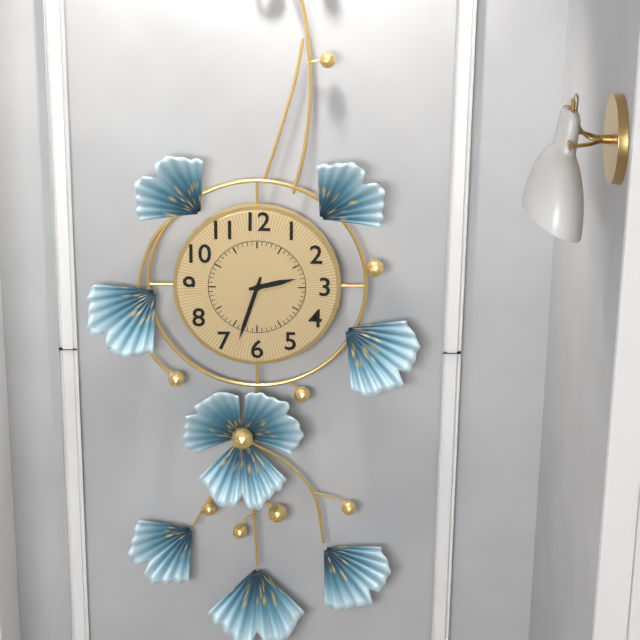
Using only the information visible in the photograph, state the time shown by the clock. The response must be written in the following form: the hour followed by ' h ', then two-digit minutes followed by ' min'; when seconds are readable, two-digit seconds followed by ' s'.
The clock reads 2 h 33 min
